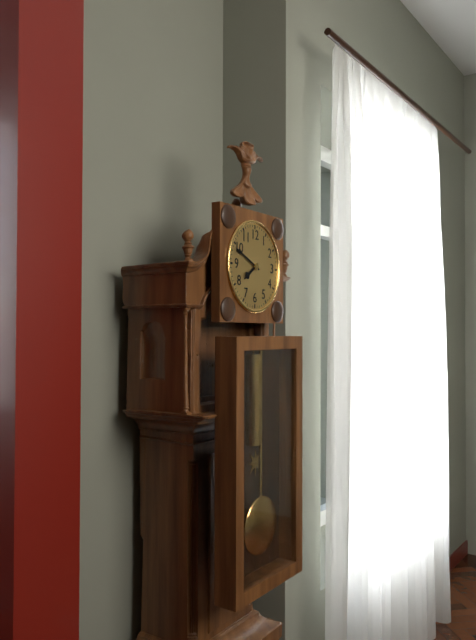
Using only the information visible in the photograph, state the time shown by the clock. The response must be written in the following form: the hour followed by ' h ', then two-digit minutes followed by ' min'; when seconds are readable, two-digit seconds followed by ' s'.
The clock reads 7 h 49 min
